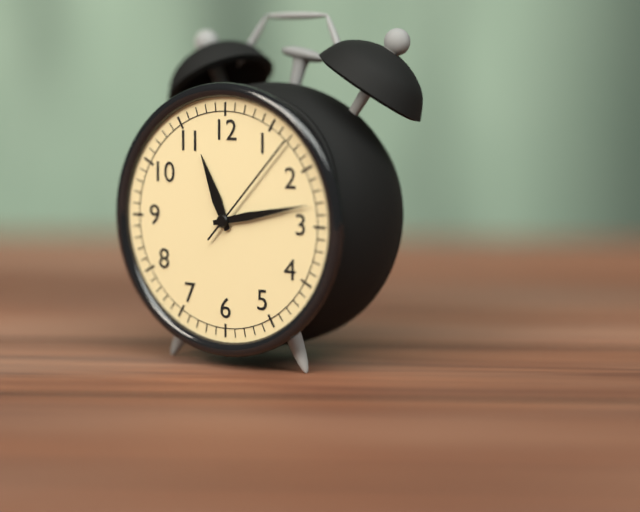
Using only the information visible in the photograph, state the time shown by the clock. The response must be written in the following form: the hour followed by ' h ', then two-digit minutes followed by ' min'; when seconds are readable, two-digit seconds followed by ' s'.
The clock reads 11 h 13 min 07 s
